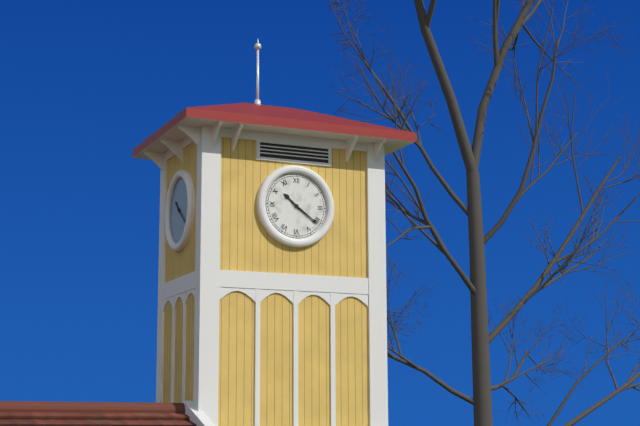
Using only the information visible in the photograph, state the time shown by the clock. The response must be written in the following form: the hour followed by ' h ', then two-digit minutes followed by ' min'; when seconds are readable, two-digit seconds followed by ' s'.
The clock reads 10 h 21 min
